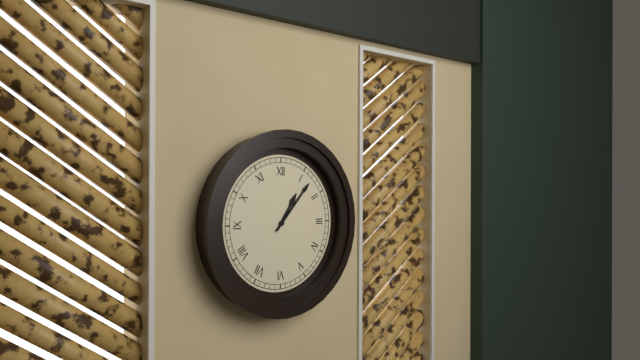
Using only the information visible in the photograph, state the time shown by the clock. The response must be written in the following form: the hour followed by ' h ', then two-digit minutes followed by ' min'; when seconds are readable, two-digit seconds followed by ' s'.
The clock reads 1 h 07 min
